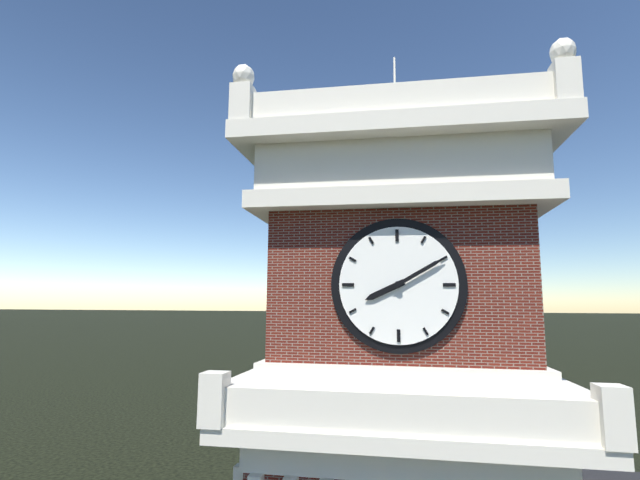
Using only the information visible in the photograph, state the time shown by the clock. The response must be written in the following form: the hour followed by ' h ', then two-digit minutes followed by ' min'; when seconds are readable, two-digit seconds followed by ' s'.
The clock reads 8 h 10 min
